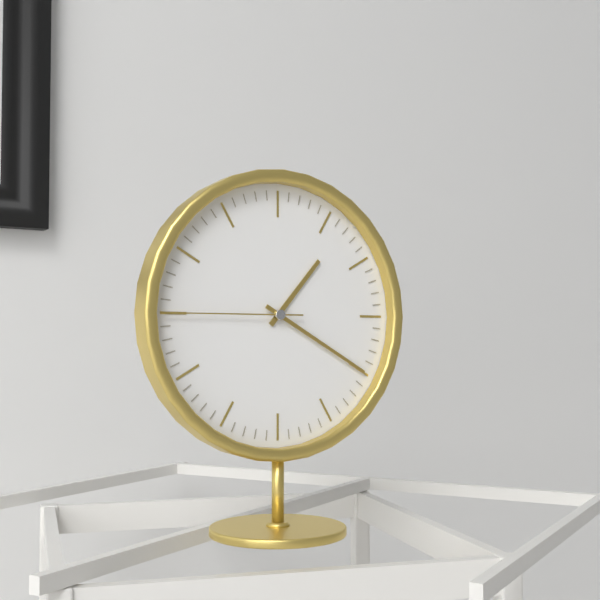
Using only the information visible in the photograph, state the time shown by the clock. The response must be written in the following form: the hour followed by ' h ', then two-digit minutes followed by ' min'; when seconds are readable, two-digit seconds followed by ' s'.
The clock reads 1 h 20 min 45 s
